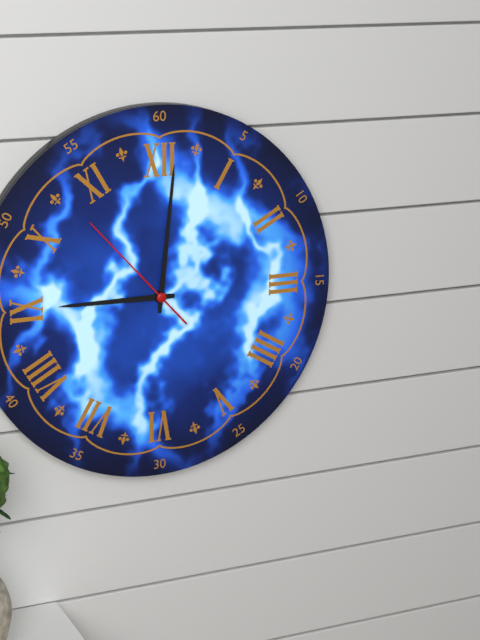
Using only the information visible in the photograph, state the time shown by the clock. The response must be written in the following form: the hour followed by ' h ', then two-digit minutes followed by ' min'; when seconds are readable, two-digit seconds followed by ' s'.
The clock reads 9 h 01 min 53 s
